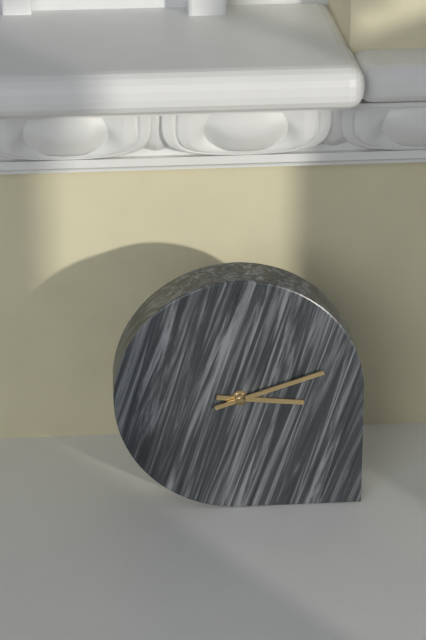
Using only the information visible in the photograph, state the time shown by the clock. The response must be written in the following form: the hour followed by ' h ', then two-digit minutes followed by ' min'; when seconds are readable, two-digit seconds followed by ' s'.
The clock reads 3 h 12 min
